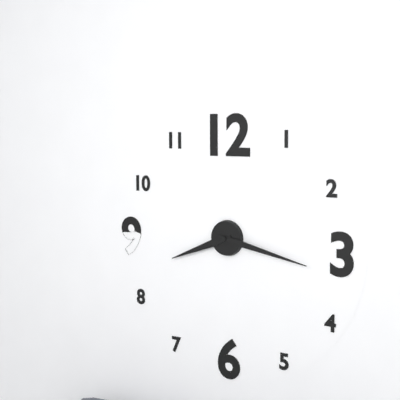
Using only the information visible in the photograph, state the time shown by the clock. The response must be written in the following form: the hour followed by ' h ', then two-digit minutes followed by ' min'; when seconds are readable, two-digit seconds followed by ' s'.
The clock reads 8 h 17 min
